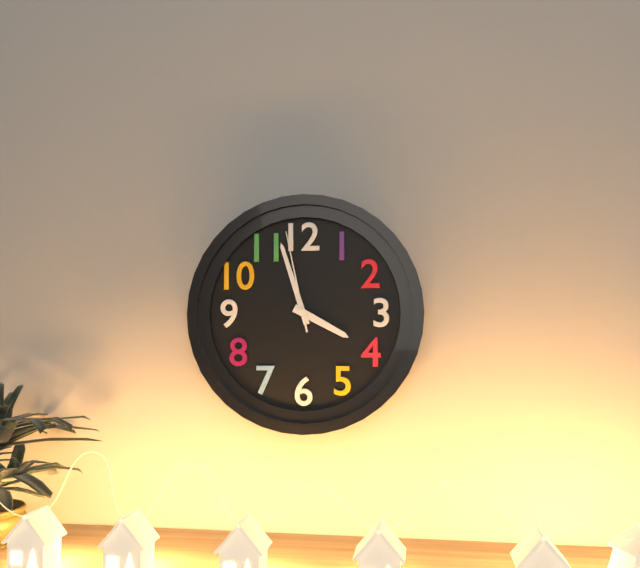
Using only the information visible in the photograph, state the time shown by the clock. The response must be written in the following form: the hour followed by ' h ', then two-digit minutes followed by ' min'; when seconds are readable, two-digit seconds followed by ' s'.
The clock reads 3 h 57 min 58 s
